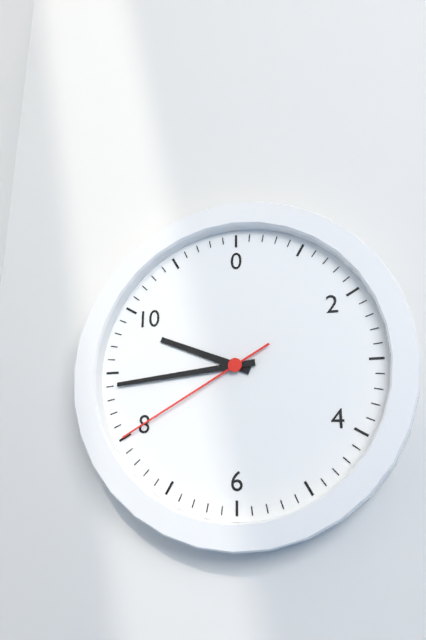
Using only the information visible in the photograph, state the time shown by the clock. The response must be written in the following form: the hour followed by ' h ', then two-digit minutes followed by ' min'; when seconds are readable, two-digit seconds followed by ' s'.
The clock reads 9 h 44 min 40 s
